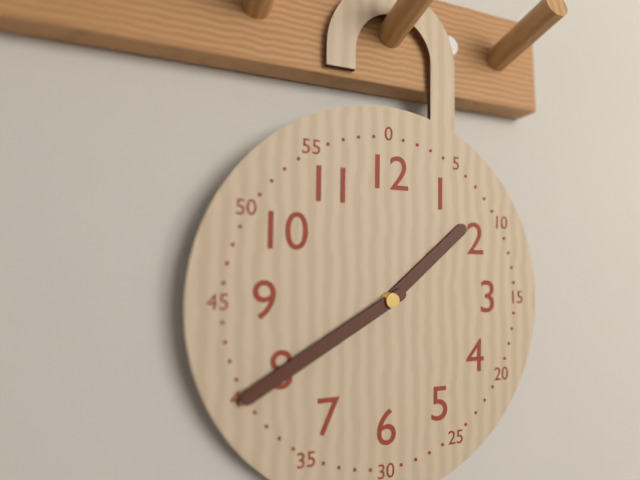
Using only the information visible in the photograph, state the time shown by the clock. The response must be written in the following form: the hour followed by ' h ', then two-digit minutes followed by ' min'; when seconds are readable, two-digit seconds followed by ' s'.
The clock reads 1 h 40 min
